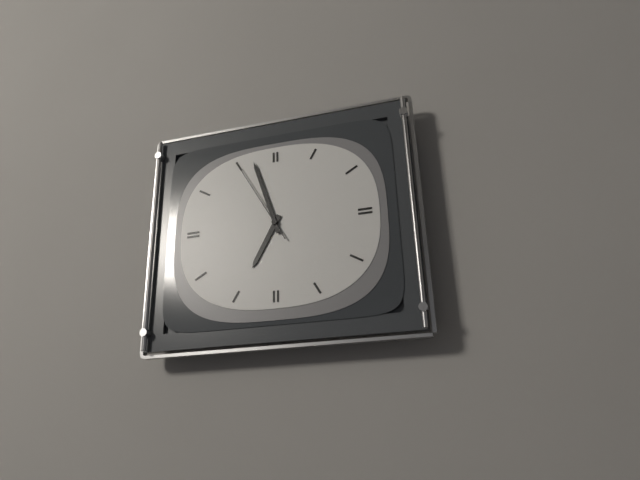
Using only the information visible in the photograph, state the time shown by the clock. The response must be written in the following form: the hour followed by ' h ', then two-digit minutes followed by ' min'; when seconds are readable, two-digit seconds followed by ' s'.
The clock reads 6 h 57 min 55 s
